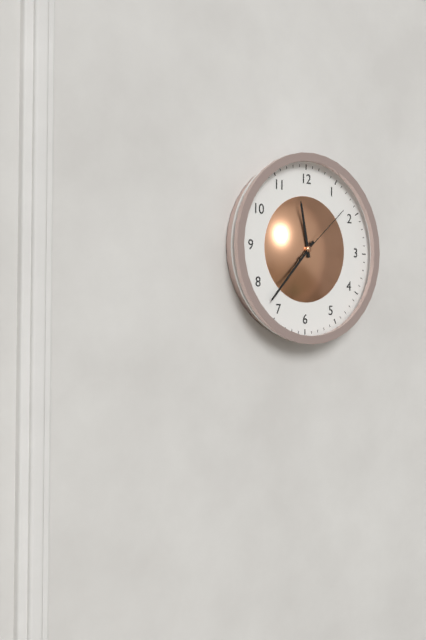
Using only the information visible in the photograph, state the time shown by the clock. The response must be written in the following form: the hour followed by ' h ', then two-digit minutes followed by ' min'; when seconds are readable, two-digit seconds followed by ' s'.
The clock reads 11 h 37 min 08 s
